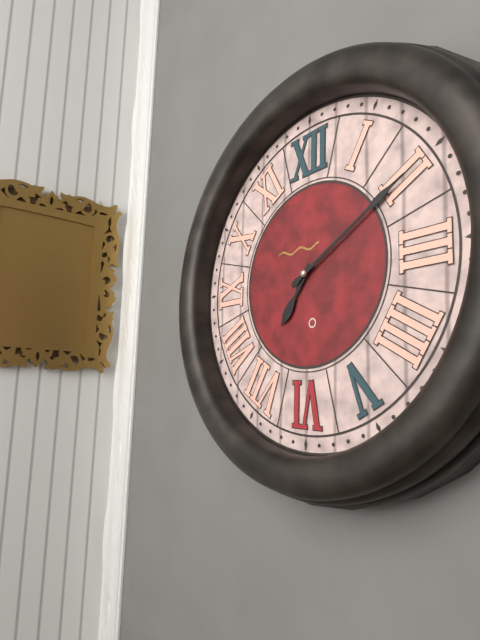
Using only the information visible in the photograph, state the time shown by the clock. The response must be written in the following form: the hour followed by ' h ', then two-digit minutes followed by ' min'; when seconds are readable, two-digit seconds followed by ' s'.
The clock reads 7 h 10 min
